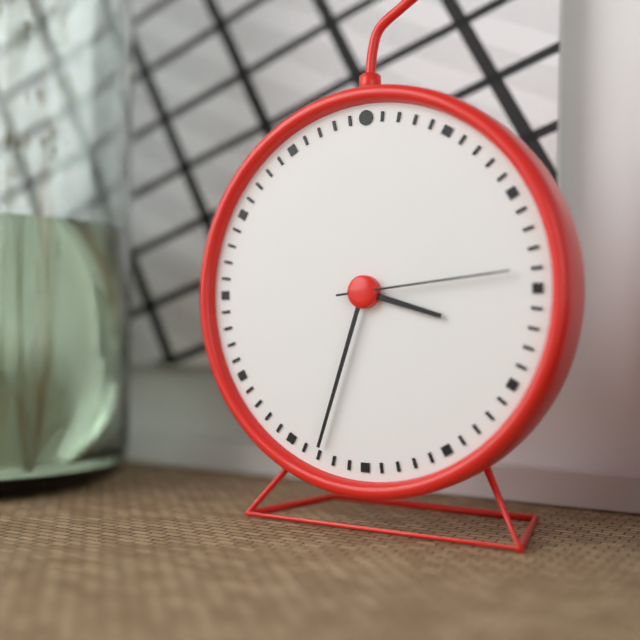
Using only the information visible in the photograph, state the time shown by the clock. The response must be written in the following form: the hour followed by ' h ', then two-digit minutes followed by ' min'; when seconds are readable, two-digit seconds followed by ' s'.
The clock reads 3 h 33 min 14 s
